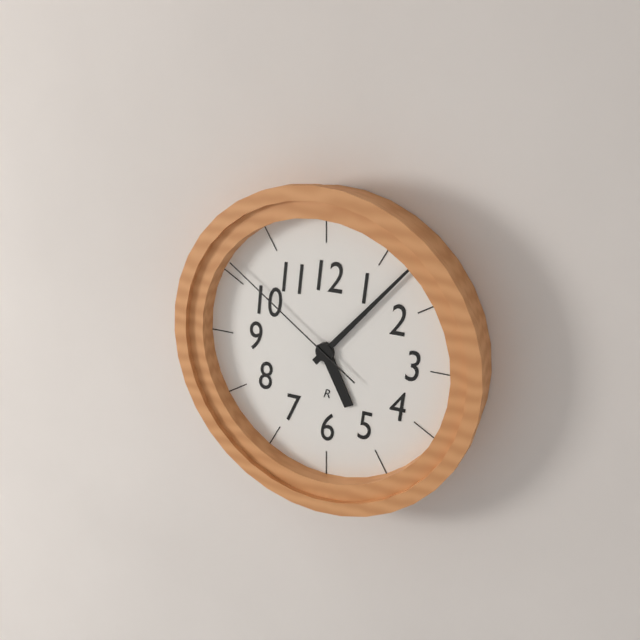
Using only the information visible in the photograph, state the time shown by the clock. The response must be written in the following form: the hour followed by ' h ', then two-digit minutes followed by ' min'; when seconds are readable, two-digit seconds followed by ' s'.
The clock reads 5 h 07 min 51 s
